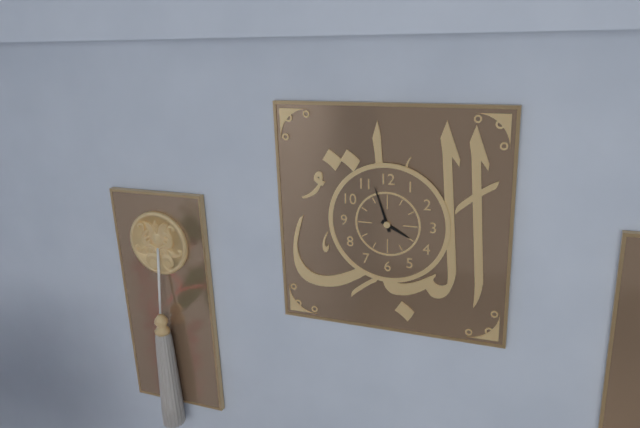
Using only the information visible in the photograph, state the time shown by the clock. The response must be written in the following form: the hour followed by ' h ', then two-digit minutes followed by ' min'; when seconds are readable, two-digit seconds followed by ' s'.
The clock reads 3 h 57 min
